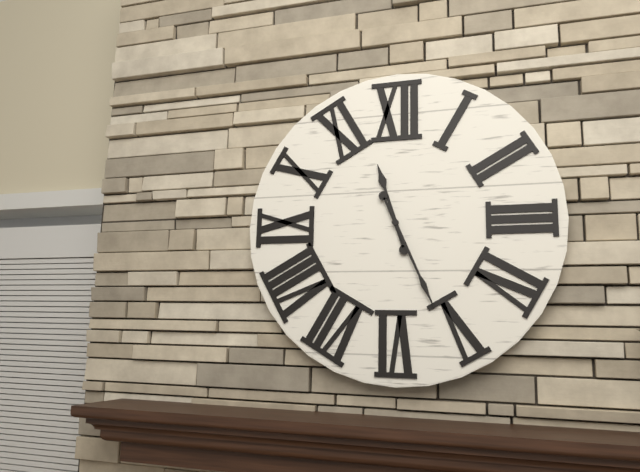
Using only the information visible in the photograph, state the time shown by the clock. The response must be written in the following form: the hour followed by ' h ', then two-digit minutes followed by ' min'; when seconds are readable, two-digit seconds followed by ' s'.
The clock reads 11 h 26 min
